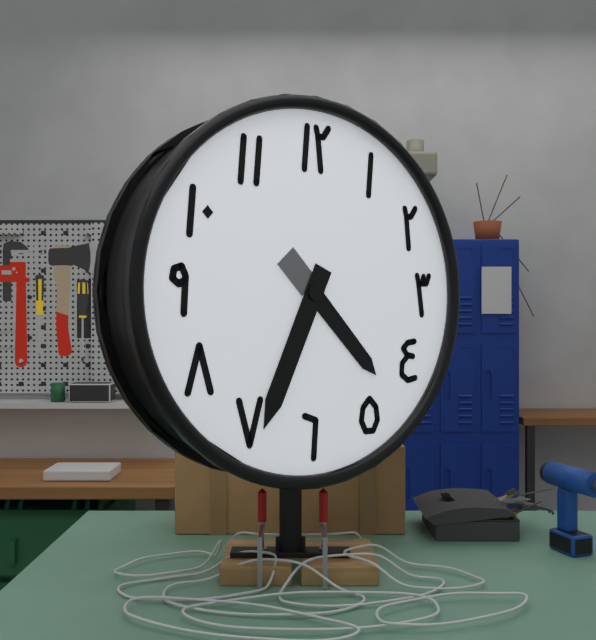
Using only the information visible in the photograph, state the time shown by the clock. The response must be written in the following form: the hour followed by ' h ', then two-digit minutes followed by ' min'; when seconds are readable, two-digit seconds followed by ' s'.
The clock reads 4 h 34 min
